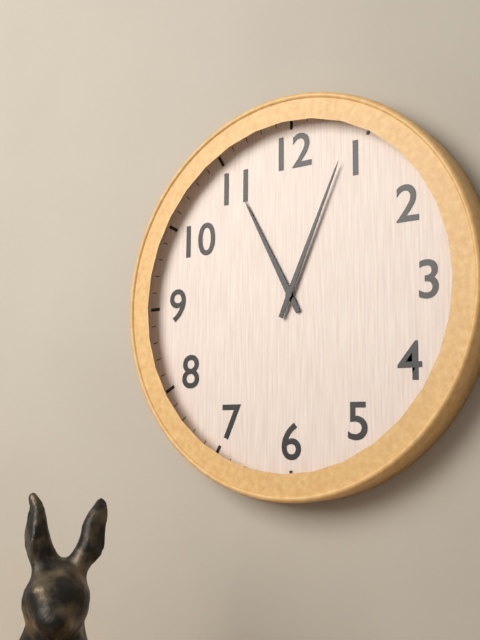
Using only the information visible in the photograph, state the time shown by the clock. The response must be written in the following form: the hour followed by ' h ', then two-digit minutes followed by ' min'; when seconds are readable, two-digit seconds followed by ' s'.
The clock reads 11 h 04 min
